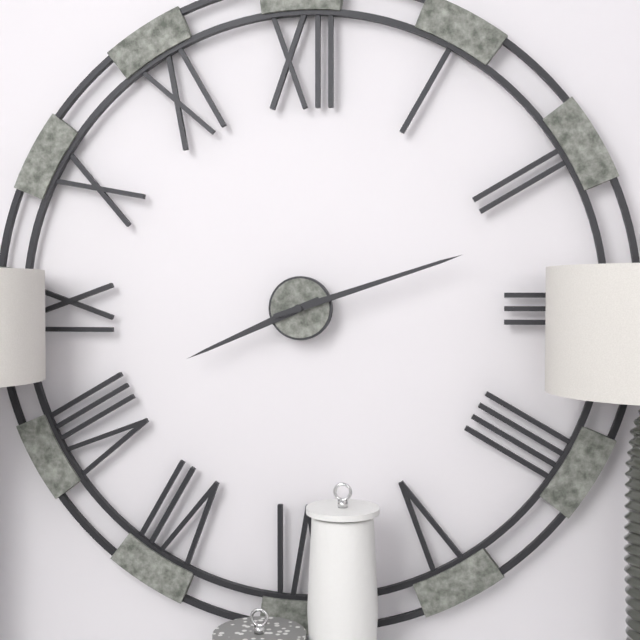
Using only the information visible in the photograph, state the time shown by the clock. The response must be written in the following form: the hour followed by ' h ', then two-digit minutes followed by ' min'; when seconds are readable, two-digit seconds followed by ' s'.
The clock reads 8 h 12 min
